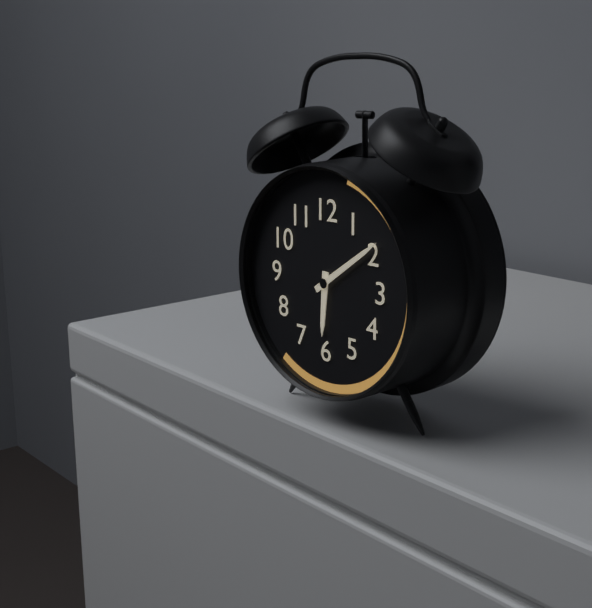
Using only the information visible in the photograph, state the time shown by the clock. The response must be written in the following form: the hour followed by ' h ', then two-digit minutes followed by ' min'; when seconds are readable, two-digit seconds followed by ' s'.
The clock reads 6 h 09 min
